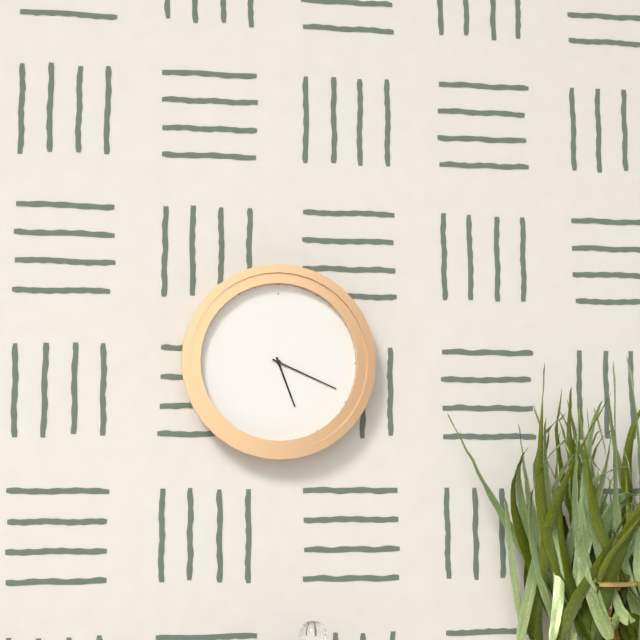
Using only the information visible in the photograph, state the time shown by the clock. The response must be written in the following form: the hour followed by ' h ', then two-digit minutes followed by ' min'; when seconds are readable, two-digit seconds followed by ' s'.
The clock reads 5 h 19 min
